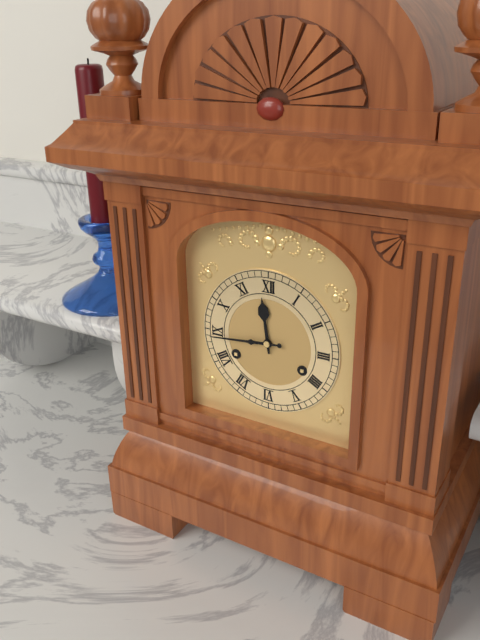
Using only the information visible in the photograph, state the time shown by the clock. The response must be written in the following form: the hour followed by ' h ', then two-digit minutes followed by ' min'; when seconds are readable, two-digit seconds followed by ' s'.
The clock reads 11 h 44 min
